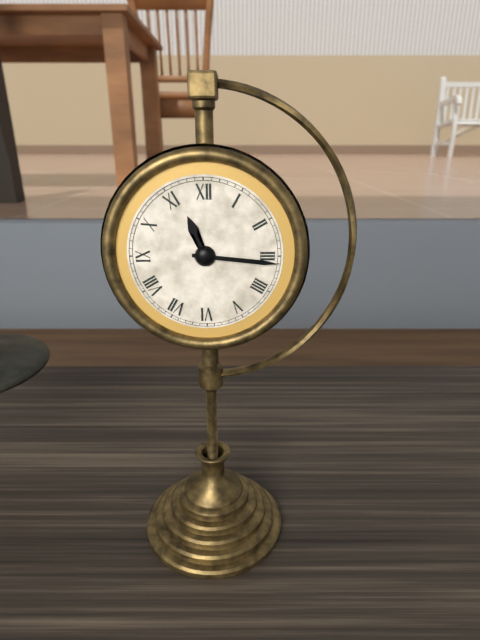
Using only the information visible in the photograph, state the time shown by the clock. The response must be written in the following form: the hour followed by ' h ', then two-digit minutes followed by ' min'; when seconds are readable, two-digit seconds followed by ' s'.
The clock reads 11 h 16 min
